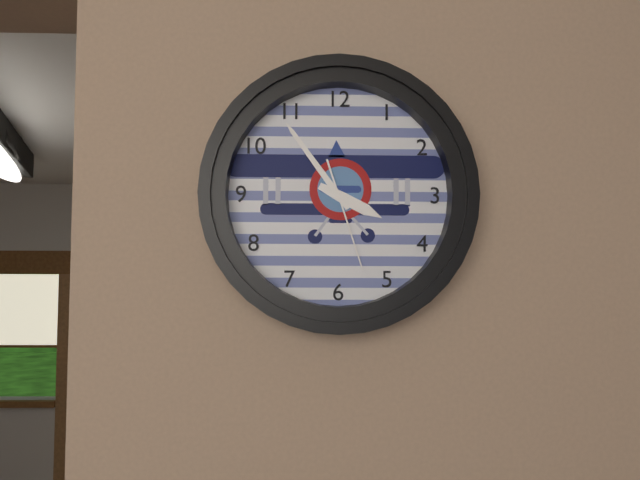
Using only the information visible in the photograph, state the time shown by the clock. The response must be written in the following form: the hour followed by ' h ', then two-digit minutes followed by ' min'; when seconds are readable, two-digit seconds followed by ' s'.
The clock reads 3 h 54 min 27 s
